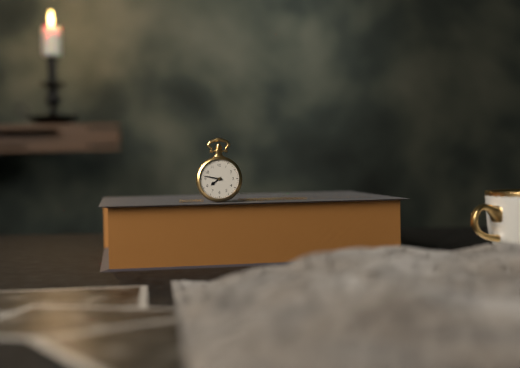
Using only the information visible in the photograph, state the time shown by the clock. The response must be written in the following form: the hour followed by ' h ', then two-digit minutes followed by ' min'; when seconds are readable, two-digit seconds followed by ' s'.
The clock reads 7 h 47 min
